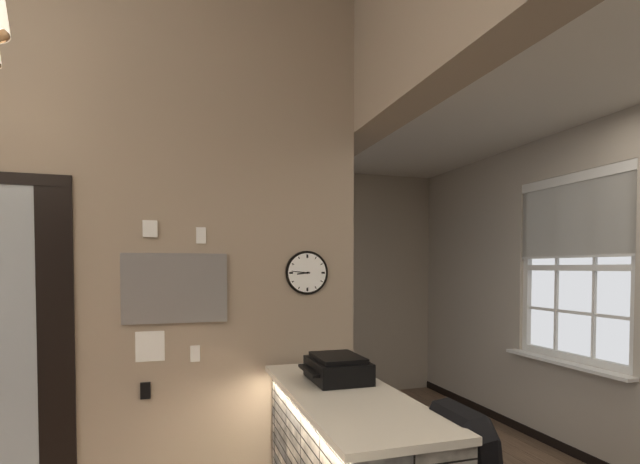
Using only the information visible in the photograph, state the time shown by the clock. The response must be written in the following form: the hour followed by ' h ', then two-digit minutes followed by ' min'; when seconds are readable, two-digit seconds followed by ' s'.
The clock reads 8 h 46 min
